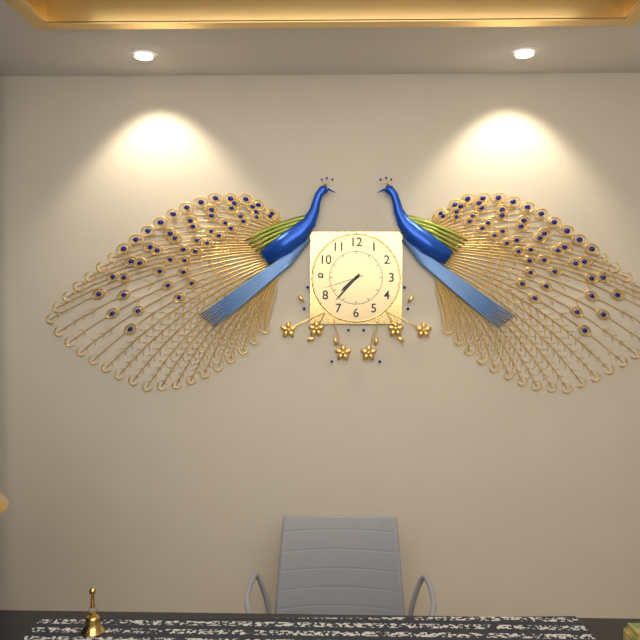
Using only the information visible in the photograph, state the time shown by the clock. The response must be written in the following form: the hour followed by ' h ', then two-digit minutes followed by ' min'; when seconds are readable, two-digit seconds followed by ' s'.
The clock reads 7 h 37 min
